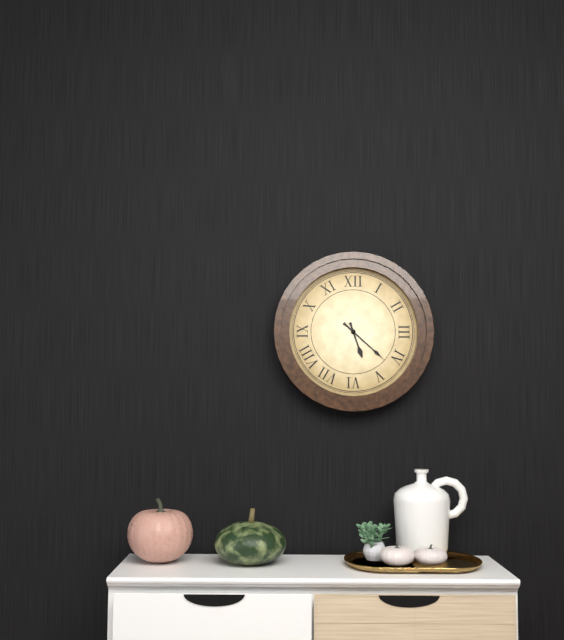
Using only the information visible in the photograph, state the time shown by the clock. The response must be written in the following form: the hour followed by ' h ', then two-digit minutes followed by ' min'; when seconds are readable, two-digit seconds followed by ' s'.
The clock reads 5 h 22 min
